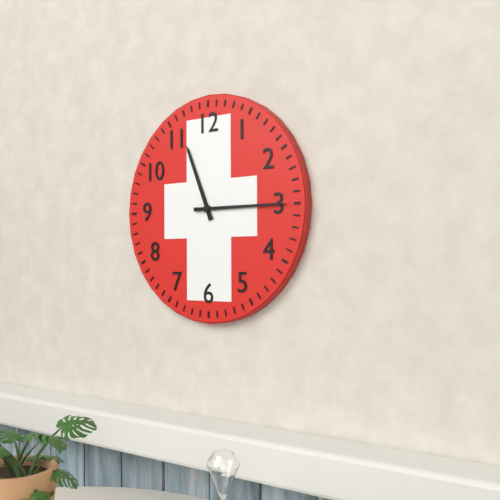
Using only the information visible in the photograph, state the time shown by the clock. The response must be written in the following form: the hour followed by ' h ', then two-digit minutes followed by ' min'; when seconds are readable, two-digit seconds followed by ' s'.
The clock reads 11 h 15 min
